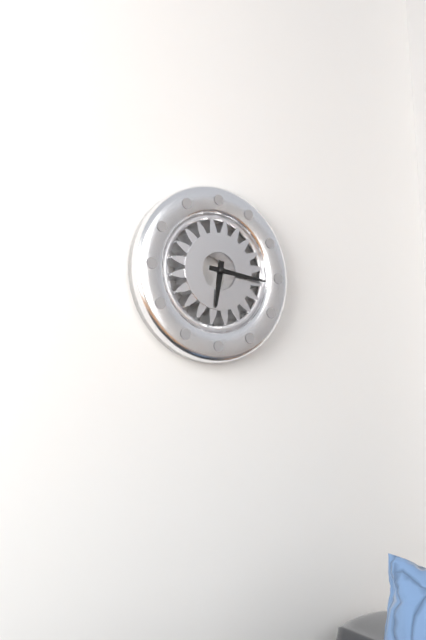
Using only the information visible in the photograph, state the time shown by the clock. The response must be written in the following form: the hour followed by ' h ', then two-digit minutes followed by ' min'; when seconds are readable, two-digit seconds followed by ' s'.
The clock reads 6 h 16 min
